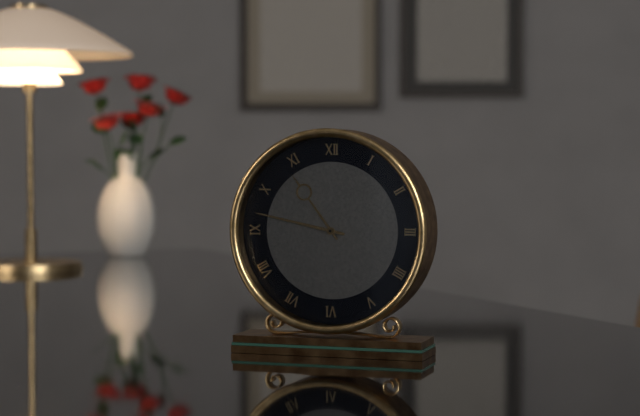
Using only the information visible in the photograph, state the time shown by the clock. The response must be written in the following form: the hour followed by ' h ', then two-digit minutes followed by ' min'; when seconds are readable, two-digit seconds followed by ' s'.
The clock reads 10 h 47 min
